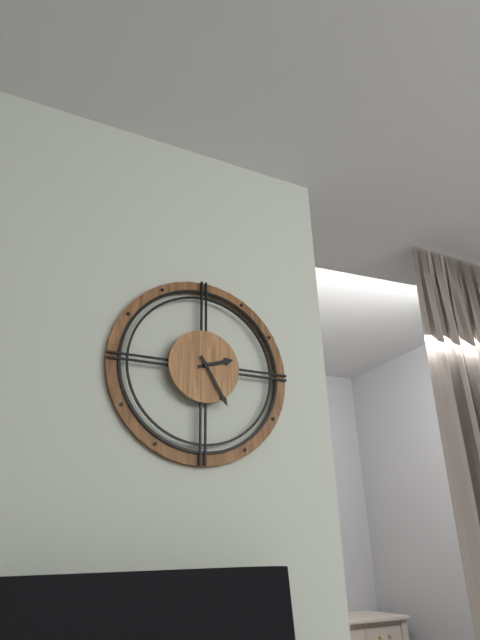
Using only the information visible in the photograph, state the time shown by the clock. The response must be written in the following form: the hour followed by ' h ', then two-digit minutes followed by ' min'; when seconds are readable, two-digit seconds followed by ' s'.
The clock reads 2 h 25 min
